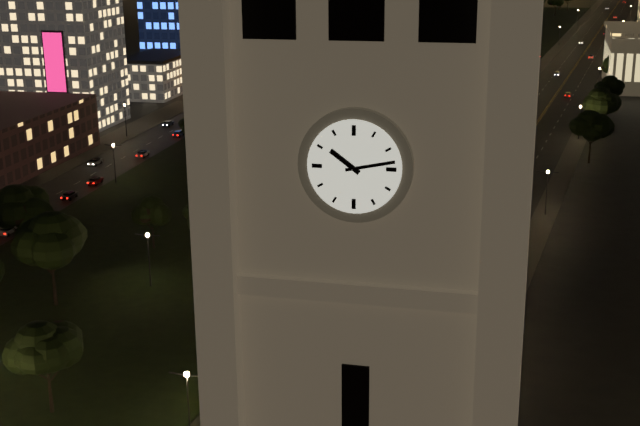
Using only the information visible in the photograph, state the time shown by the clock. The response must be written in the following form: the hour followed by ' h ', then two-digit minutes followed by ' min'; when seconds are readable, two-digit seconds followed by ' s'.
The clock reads 10 h 13 min
